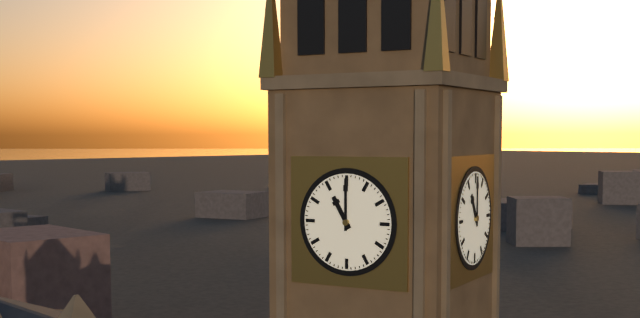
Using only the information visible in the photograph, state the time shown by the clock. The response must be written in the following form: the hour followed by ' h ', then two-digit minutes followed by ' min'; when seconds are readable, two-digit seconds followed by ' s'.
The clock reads 11 h 00 min
